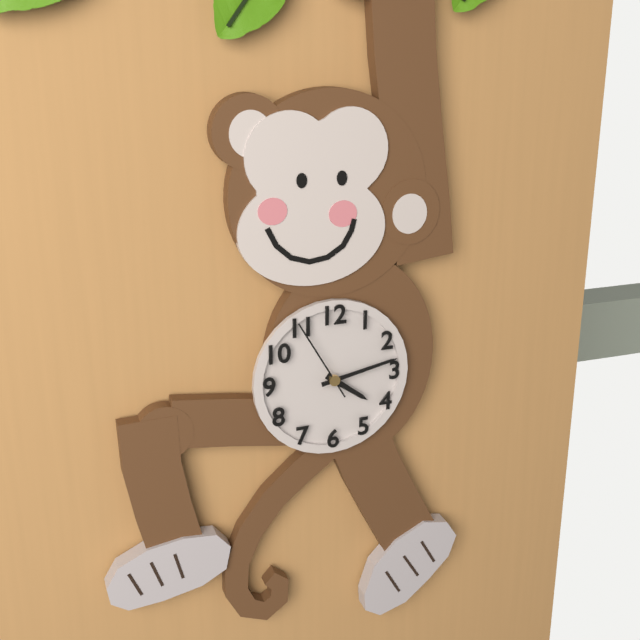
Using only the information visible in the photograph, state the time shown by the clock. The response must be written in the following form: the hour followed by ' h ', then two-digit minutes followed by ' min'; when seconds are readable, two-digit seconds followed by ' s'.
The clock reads 4 h 13 min 55 s
